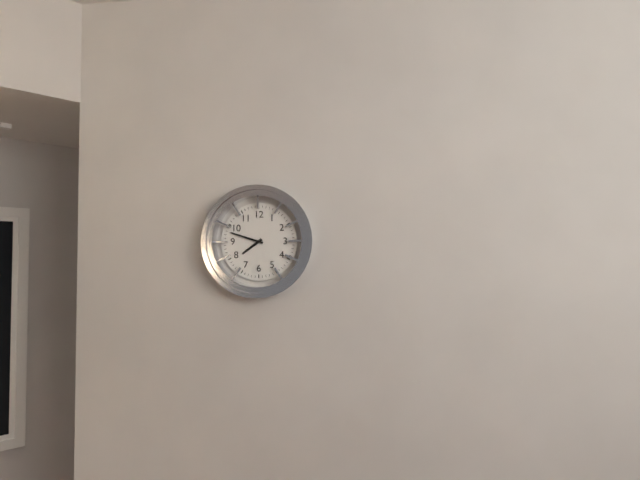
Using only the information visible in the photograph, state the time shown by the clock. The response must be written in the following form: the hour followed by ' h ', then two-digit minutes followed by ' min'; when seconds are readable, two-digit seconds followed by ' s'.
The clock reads 7 h 48 min
